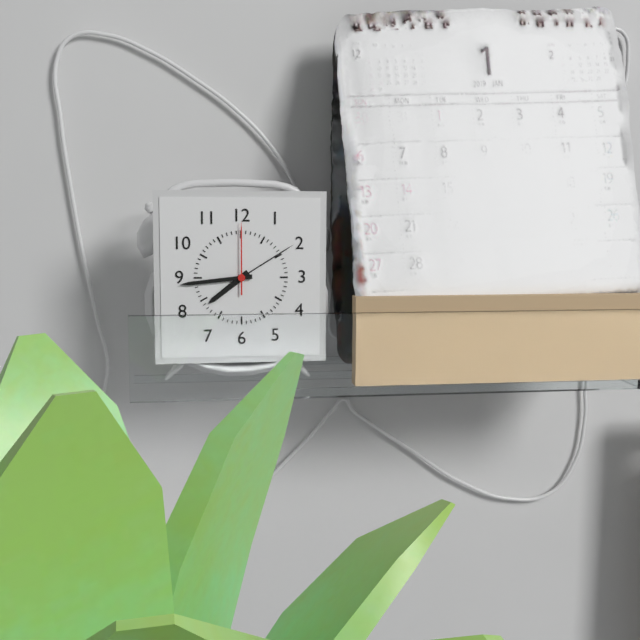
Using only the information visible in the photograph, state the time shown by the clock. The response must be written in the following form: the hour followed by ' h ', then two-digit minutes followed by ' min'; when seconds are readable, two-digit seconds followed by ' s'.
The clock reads 7 h 44 min 00 s
